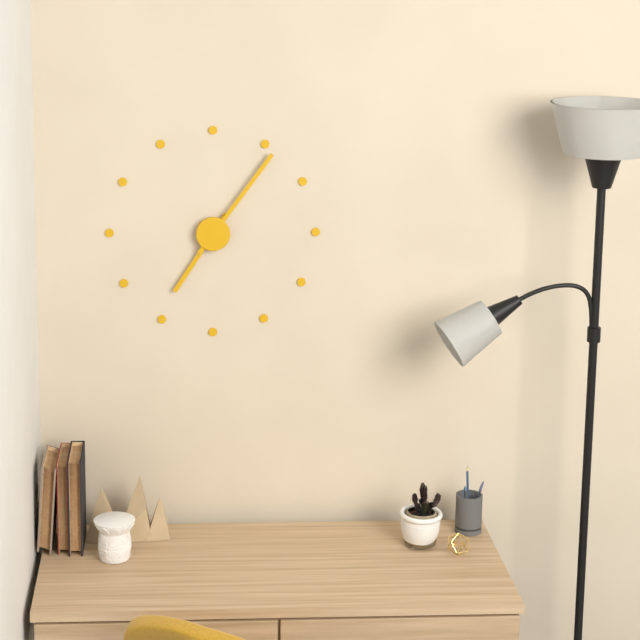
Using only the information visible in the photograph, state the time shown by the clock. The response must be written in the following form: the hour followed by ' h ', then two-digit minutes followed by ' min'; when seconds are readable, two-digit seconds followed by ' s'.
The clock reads 7 h 06 min
